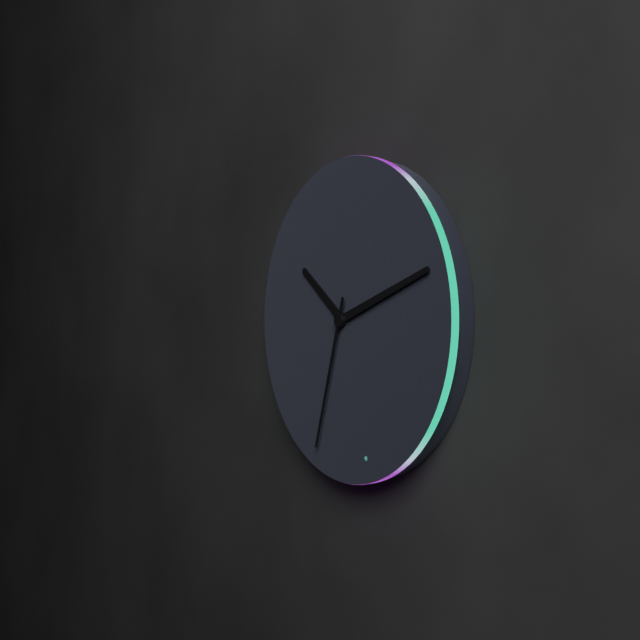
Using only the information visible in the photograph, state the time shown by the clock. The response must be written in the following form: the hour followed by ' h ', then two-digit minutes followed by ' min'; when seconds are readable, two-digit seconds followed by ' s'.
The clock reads 10 h 12 min 33 s
